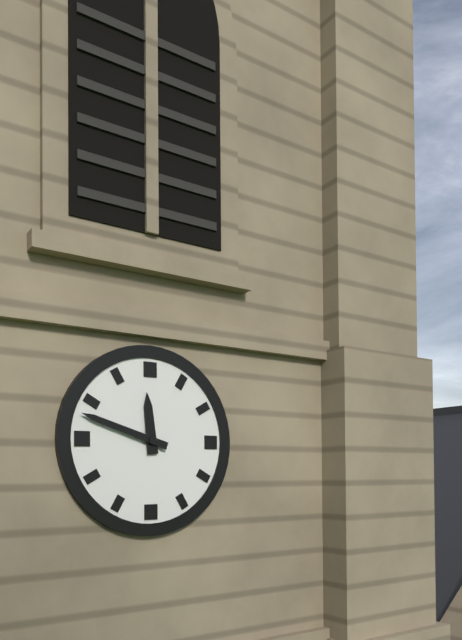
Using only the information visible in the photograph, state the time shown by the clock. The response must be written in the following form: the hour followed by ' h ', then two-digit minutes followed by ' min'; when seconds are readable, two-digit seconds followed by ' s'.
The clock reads 11 h 48 min
